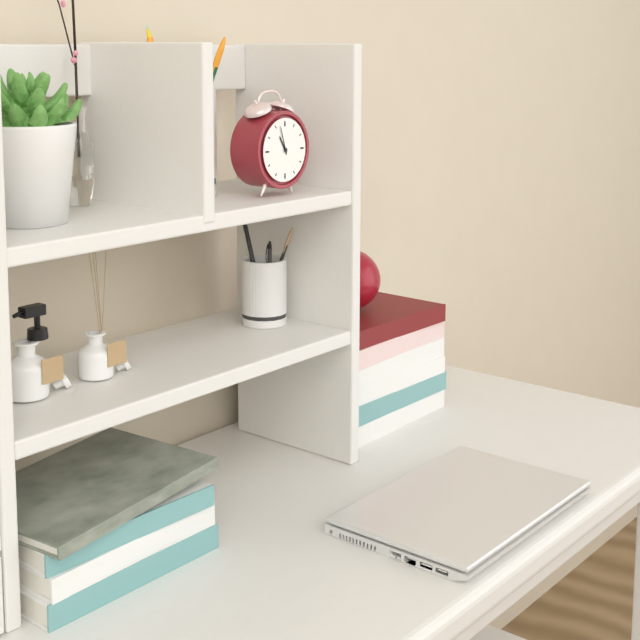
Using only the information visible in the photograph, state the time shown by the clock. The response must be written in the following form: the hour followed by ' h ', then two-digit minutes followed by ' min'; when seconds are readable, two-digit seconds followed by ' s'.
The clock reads 10 h 57 min
